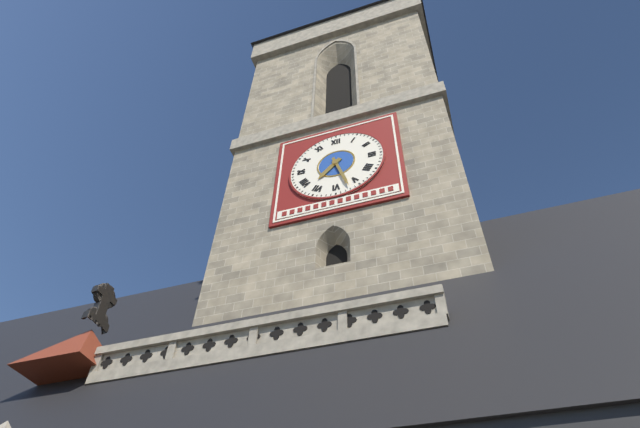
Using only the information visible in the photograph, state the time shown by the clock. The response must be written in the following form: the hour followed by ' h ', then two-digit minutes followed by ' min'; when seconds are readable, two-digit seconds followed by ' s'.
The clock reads 7 h 27 min
